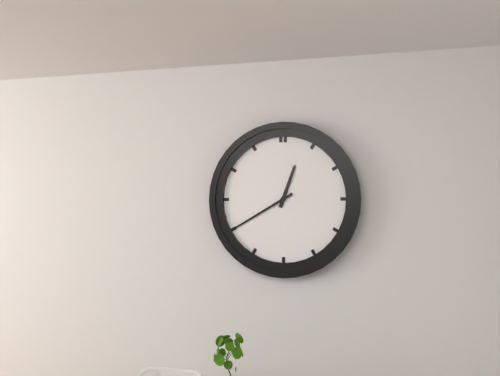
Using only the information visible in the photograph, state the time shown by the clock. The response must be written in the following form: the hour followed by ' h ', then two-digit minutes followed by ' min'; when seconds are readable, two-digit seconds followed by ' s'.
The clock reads 12 h 40 min
